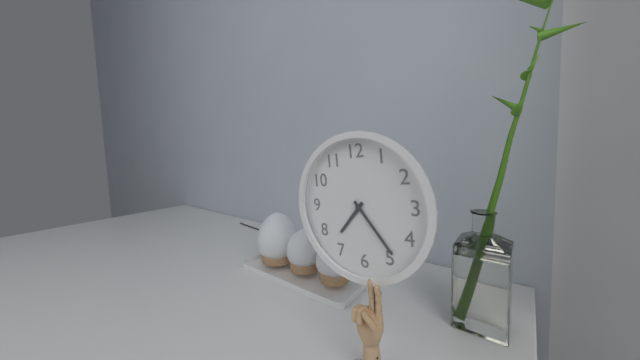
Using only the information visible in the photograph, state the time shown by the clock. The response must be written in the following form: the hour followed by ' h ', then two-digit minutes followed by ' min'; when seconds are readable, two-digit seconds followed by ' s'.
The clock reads 7 h 24 min
